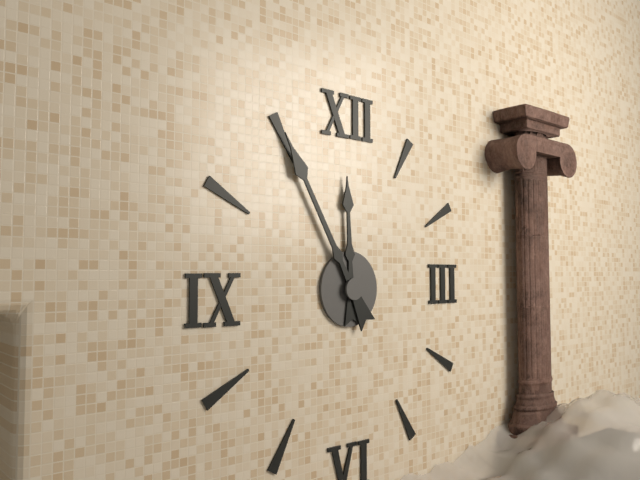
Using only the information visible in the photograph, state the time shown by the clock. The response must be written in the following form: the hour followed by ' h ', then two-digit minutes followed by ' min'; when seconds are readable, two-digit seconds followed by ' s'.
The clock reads 11 h 55 min
